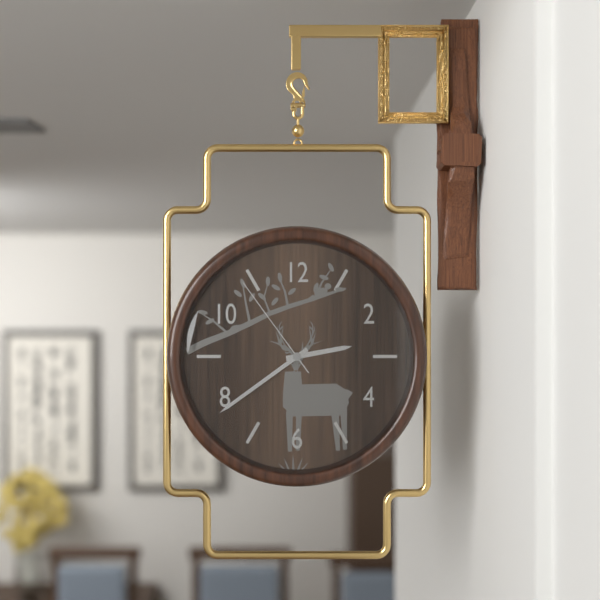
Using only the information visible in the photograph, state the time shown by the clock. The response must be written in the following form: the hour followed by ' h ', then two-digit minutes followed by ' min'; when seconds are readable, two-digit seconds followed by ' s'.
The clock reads 2 h 39 min 54 s
